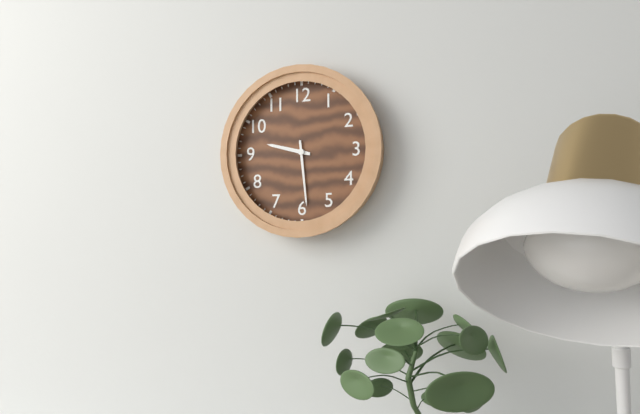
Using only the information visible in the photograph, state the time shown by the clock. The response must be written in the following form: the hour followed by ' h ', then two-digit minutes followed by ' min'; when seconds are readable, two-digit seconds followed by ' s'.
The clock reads 9 h 29 min
